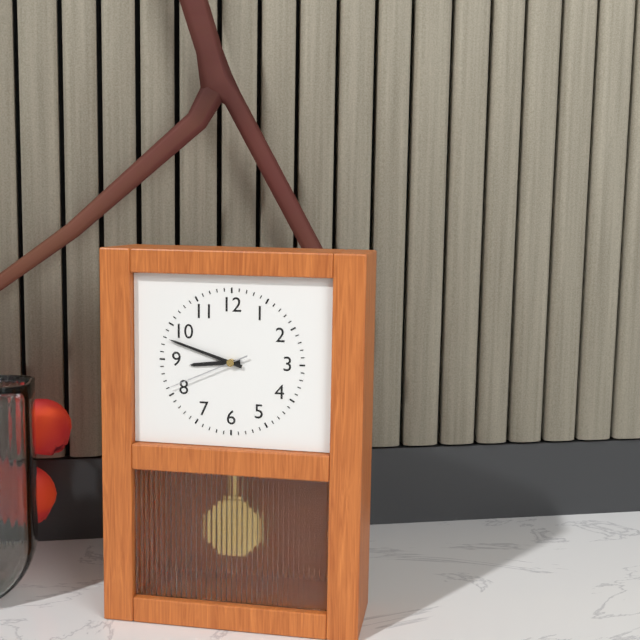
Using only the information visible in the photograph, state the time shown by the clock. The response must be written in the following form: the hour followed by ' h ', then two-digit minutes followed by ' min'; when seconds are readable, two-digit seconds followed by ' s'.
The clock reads 8 h 48 min 41 s
